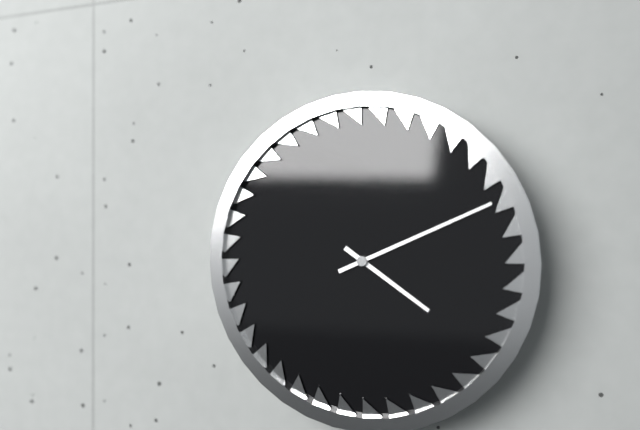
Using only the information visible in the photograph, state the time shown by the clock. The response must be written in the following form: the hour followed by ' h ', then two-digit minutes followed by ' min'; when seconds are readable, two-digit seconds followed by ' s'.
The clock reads 4 h 11 min
